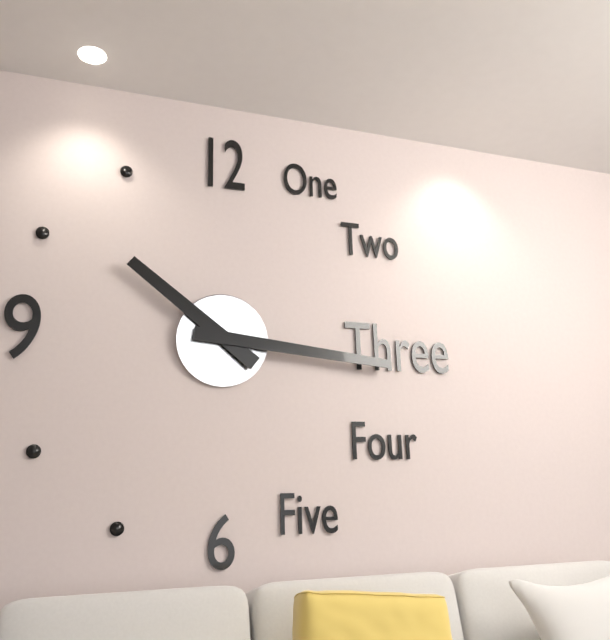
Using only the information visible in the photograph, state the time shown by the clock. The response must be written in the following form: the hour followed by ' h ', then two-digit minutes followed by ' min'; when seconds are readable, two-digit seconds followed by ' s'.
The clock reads 10 h 16 min
